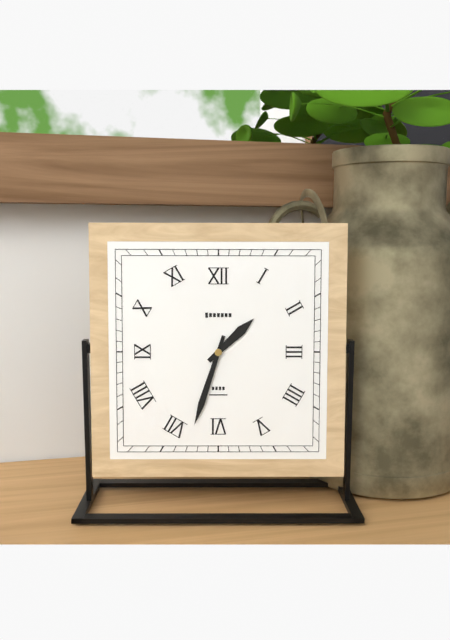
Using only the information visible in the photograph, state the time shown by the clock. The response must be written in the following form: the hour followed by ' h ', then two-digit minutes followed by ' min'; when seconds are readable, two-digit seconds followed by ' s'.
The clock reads 1 h 33 min
